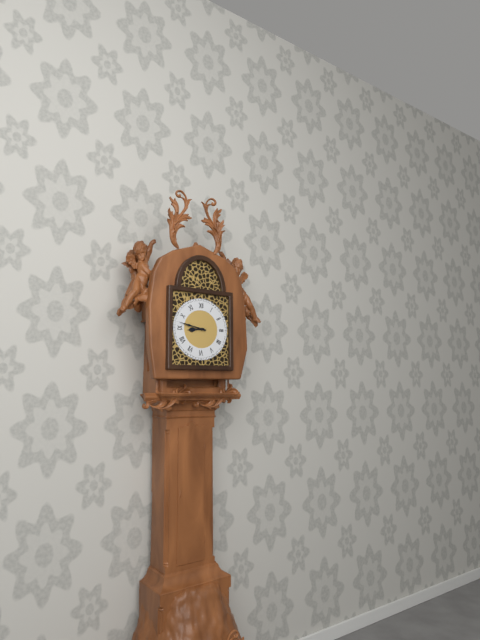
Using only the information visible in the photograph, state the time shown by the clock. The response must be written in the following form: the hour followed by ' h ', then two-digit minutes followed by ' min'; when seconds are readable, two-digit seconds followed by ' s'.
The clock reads 8 h 47 min
